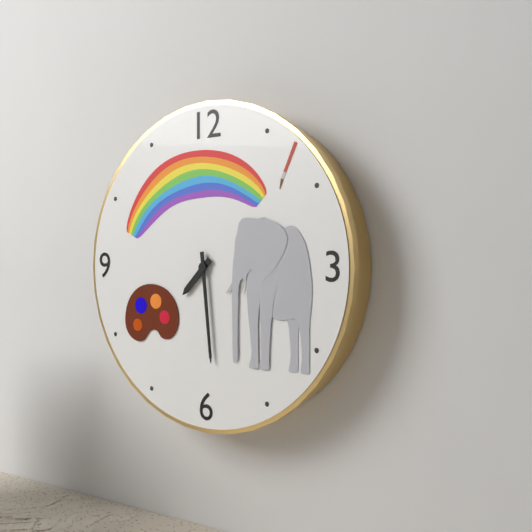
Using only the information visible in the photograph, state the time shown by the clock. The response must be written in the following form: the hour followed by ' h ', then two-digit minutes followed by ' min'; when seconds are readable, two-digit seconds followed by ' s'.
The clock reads 7 h 29 min
